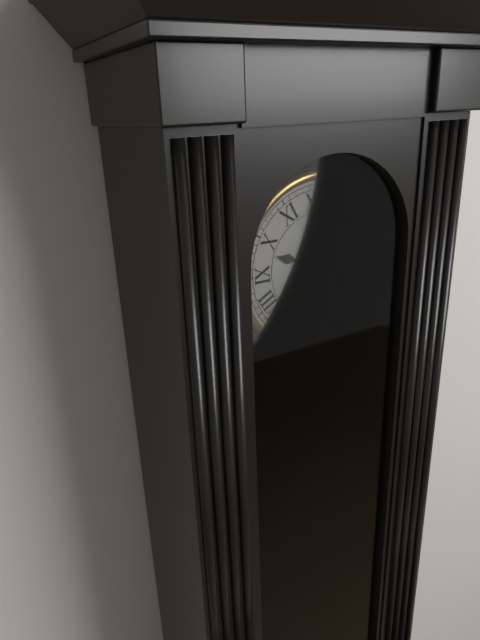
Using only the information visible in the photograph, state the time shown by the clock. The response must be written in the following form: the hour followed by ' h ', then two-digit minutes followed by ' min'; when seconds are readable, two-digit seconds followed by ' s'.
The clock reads 9 h 38 min
